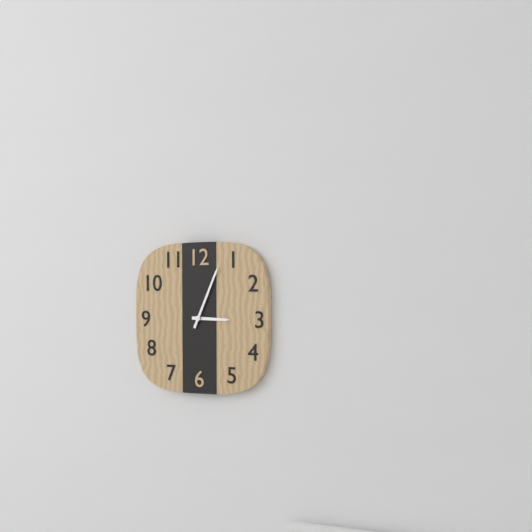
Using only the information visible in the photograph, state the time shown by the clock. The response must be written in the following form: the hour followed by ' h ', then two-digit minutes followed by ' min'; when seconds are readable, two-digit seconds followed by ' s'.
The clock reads 3 h 04 min
